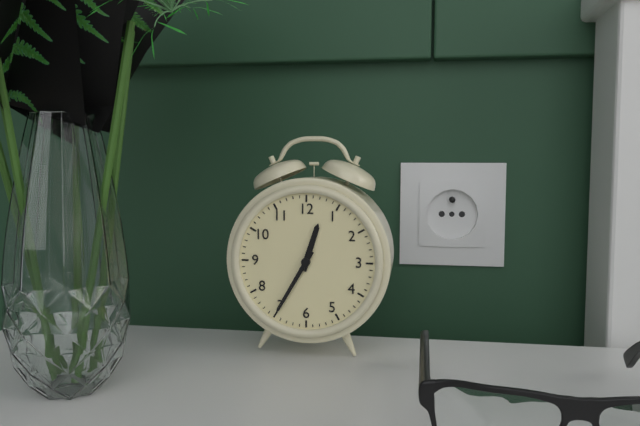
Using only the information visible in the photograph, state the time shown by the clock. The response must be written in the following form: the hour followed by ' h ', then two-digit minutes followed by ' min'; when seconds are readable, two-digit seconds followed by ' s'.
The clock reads 12 h 35 min
